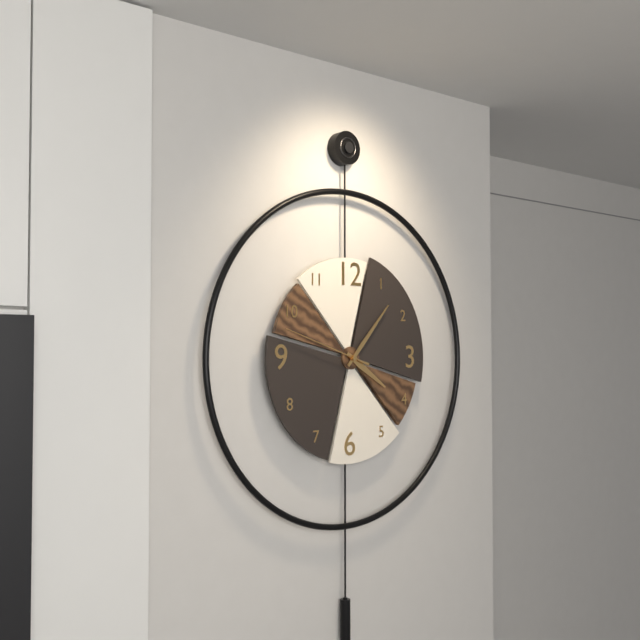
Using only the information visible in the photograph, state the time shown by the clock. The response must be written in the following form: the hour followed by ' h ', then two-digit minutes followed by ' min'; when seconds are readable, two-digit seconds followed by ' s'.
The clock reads 4 h 07 min 48 s
